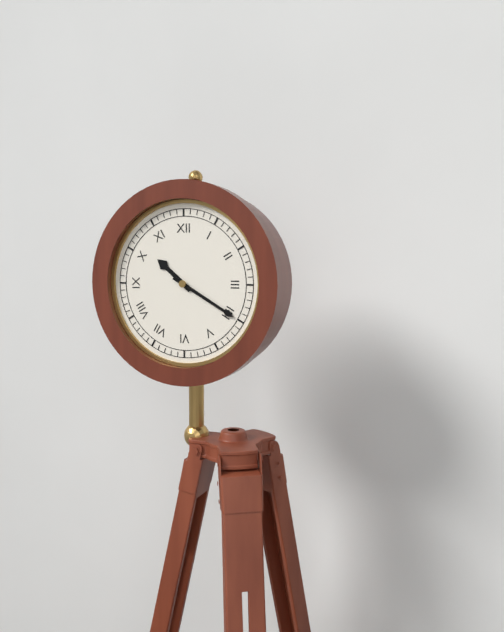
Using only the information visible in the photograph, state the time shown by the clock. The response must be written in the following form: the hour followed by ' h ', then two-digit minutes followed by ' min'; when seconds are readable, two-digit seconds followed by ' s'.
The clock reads 10 h 20 min
